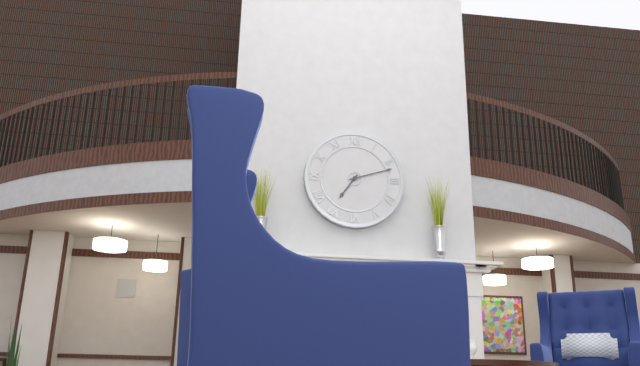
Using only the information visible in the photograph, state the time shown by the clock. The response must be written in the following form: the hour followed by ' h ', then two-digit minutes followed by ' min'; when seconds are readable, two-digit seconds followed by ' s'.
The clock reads 7 h 12 min
